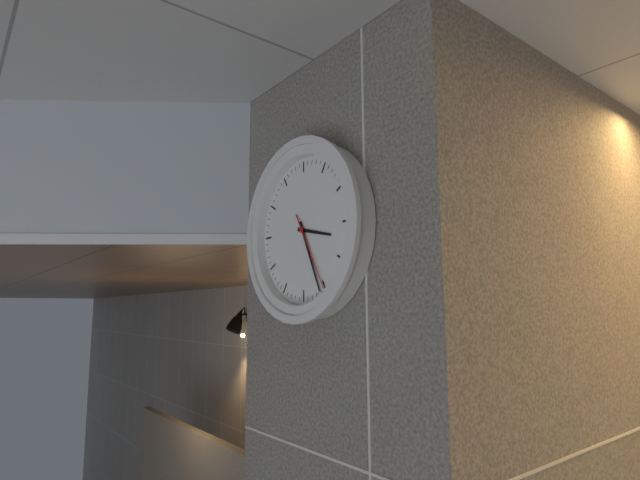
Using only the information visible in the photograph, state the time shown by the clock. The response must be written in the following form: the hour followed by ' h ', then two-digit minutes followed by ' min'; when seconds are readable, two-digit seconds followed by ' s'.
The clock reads 3 h 26 min 25 s
